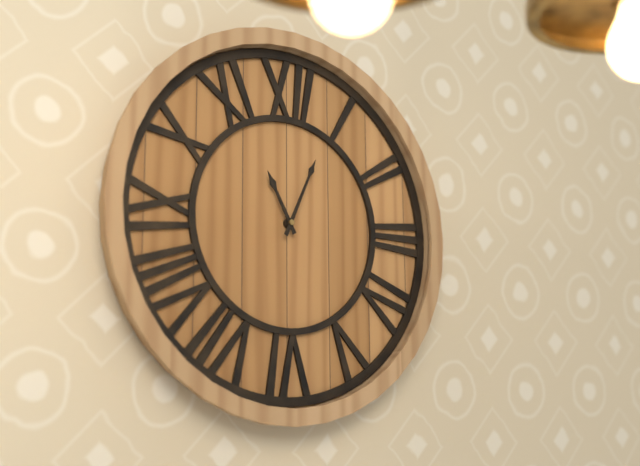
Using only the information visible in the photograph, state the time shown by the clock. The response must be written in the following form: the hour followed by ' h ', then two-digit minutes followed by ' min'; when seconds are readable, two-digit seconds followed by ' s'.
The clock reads 11 h 04 min
